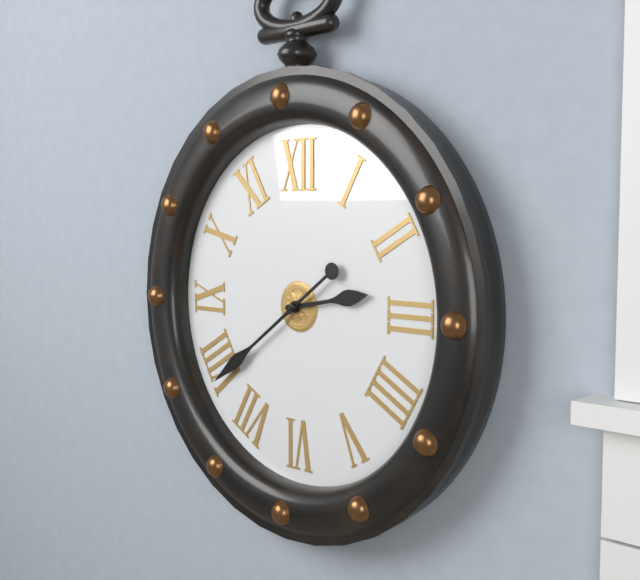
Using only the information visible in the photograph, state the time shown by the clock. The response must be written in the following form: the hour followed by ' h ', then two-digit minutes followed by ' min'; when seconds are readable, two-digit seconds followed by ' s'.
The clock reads 2 h 39 min
